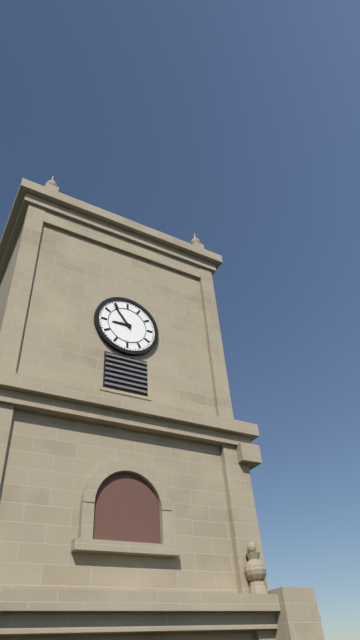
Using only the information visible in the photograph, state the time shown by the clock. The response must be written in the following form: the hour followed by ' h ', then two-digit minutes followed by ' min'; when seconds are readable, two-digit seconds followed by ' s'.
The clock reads 8 h 54 min
